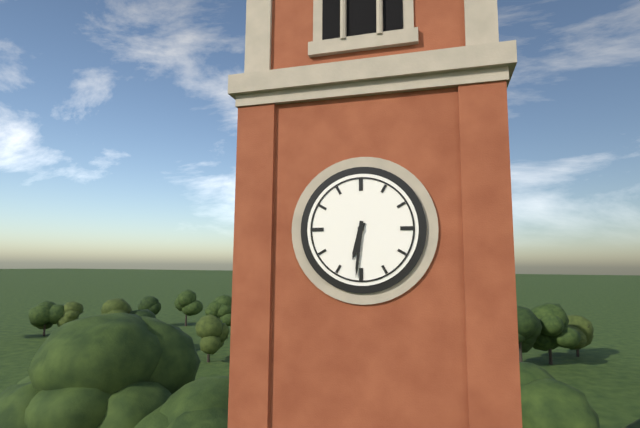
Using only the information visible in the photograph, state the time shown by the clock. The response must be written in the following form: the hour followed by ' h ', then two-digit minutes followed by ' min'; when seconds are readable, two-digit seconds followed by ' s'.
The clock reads 6 h 31 min
